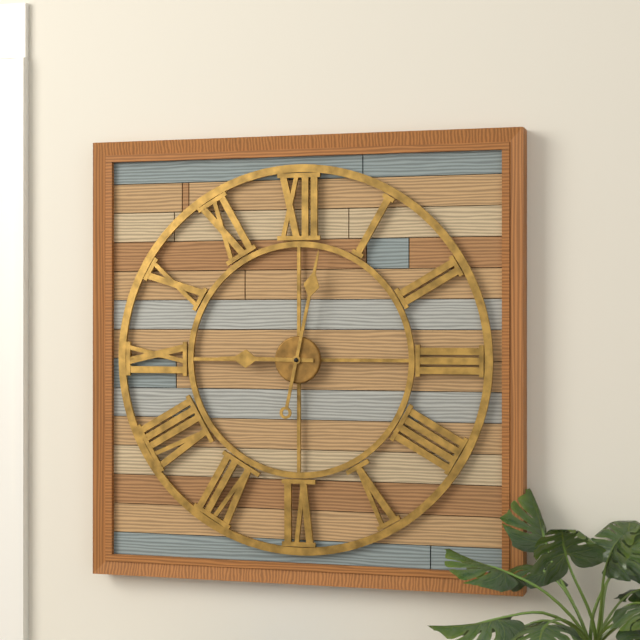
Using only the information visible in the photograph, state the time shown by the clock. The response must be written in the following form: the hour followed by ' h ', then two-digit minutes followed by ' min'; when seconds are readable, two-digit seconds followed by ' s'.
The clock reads 9 h 02 min
